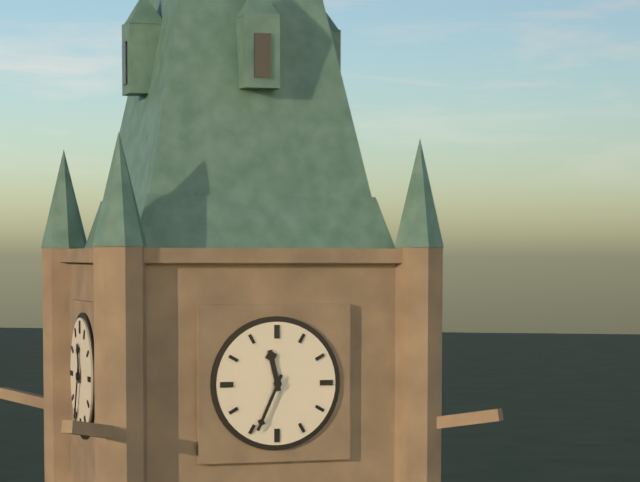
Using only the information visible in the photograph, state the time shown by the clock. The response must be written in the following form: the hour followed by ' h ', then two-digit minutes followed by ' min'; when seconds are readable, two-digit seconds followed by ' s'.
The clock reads 11 h 34 min
